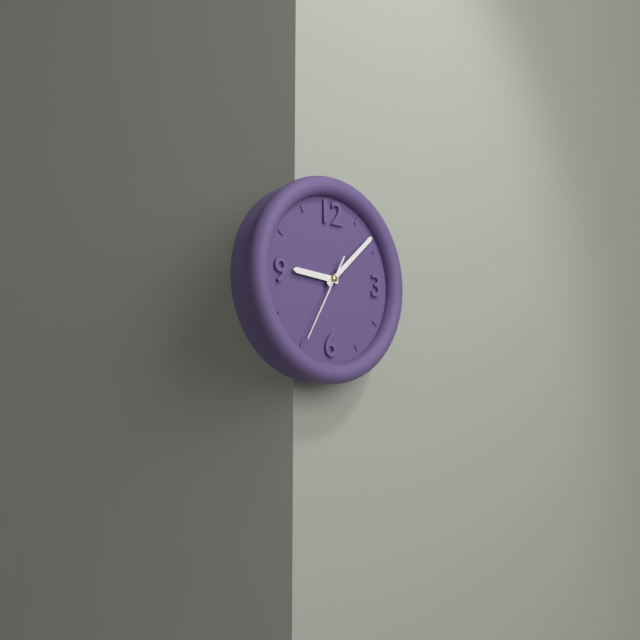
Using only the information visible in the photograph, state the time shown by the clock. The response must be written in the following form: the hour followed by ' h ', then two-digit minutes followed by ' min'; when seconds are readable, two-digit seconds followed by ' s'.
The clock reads 9 h 08 min 35 s
